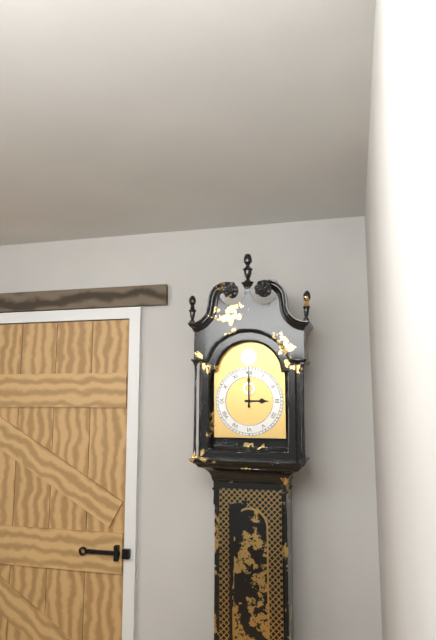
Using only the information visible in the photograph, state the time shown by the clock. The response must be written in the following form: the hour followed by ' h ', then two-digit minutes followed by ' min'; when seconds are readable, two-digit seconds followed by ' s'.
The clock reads 3 h 00 min
